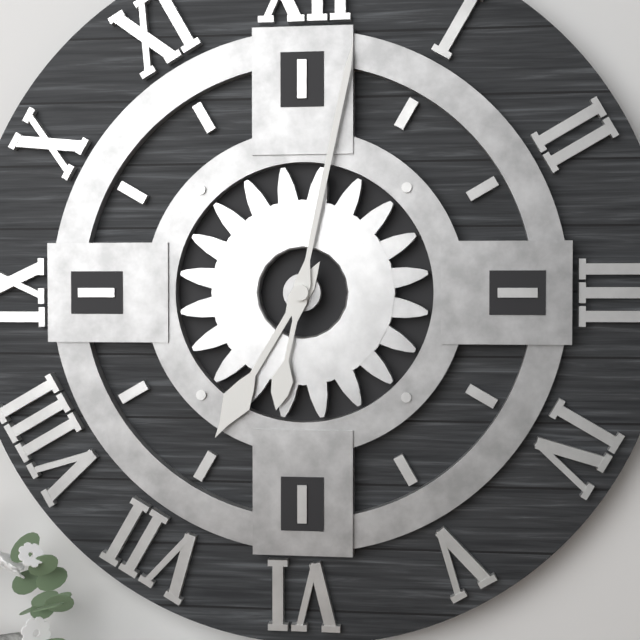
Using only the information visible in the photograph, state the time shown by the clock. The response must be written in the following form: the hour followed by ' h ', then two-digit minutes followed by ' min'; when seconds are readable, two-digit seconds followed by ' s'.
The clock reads 7 h 02 min
